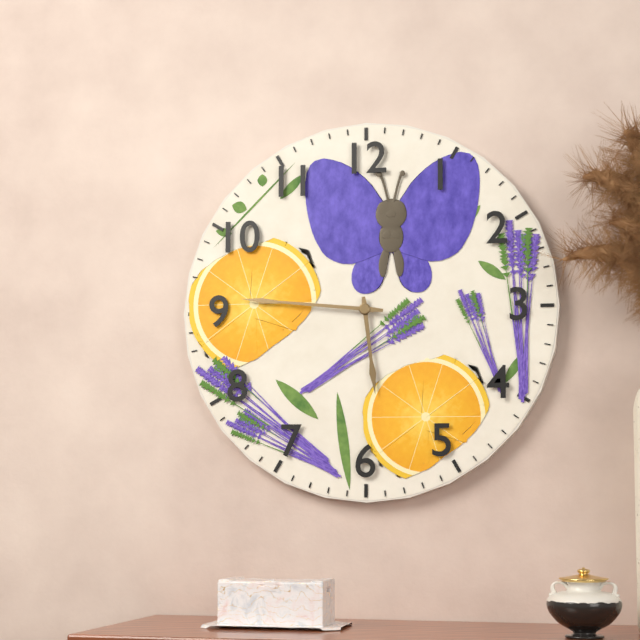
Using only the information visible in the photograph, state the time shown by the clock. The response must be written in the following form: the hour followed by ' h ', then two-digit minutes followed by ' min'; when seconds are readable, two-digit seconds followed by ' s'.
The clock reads 5 h 46 min
